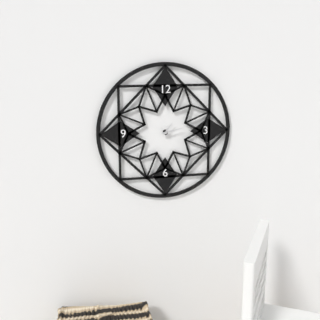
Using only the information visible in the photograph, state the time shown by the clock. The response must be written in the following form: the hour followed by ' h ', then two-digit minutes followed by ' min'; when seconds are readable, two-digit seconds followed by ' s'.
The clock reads 1 h 13 min
